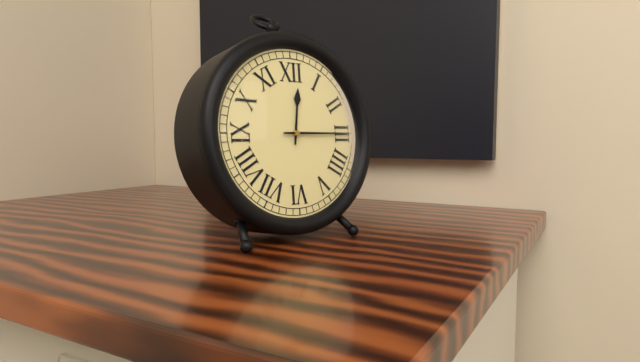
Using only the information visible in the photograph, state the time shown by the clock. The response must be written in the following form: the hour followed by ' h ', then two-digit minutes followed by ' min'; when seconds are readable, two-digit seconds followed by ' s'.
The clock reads 12 h 15 min
